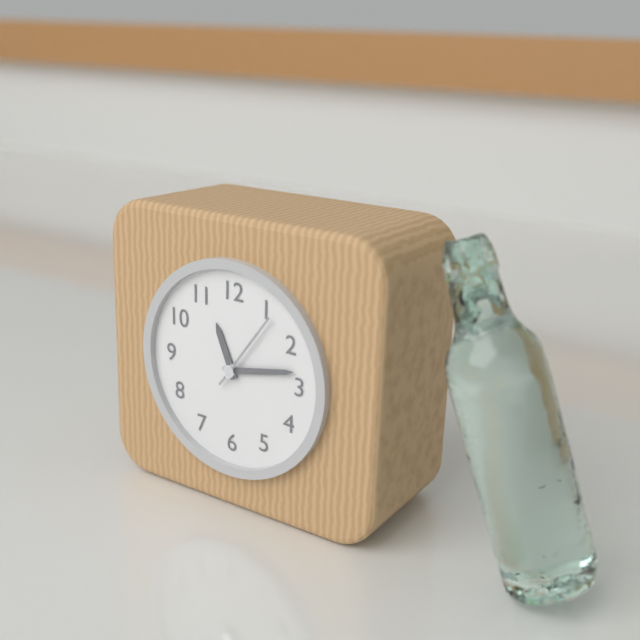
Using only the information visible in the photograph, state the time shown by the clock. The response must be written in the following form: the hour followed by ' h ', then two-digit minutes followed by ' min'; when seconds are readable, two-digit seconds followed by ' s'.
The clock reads 11 h 13 min 06 s
